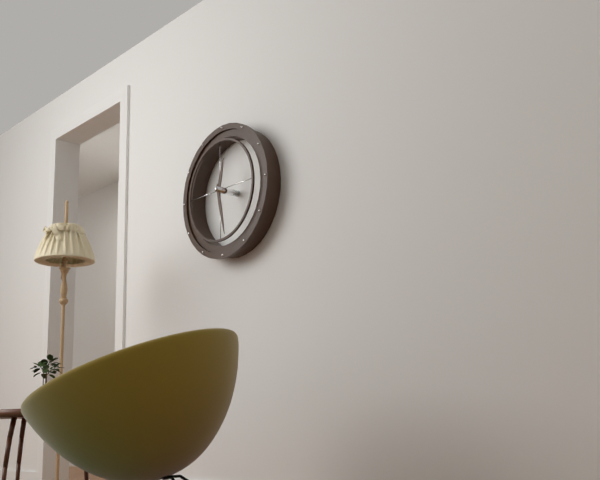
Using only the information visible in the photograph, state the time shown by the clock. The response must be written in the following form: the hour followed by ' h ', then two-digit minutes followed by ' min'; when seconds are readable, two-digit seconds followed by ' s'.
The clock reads 12 h 28 min
